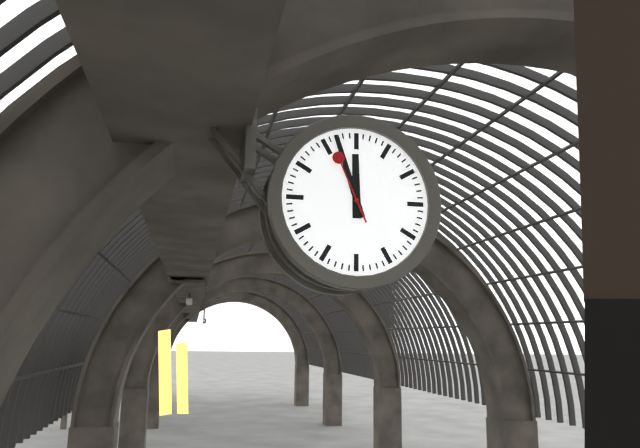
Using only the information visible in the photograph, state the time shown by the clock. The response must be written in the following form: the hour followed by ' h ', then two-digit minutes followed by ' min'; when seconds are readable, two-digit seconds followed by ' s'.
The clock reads 11 h 57 min 56 s
